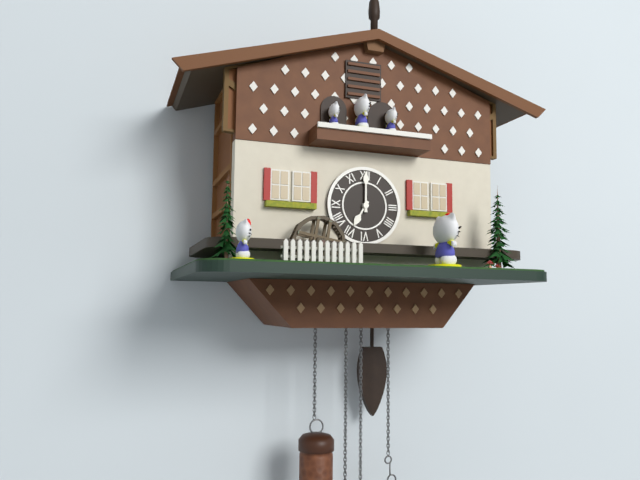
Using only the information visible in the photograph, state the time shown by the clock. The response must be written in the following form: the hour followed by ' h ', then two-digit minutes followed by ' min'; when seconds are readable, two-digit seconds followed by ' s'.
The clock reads 7 h 00 min
